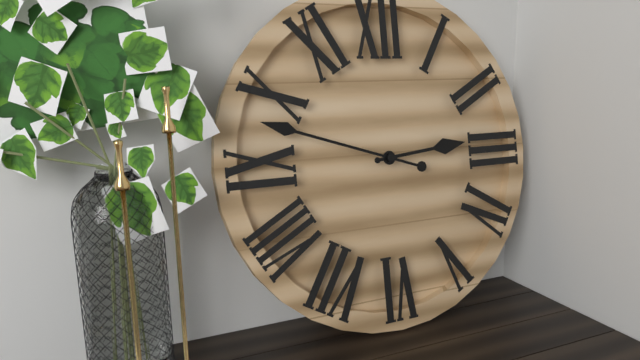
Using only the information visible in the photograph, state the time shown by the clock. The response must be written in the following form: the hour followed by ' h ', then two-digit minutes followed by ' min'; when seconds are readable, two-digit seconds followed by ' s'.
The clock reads 2 h 48 min
